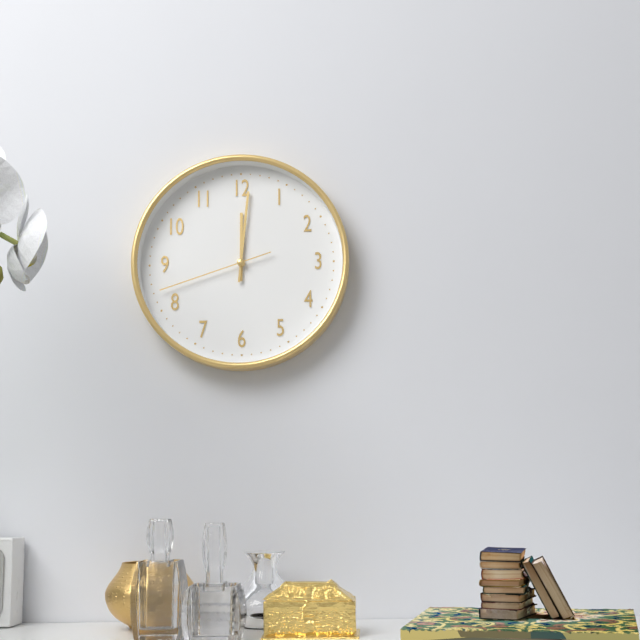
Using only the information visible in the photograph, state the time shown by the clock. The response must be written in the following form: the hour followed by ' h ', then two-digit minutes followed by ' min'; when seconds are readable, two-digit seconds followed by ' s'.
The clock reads 12 h 01 min 42 s
